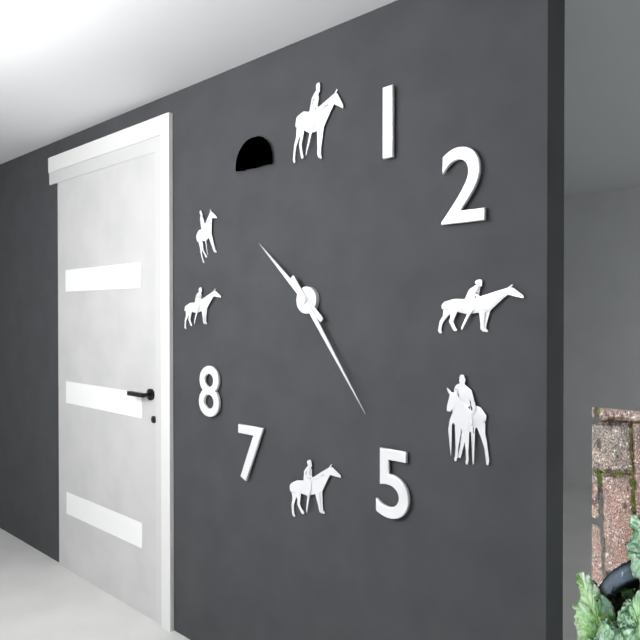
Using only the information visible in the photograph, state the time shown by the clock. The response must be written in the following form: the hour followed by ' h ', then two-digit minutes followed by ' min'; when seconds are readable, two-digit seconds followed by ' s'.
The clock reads 10 h 24 min
